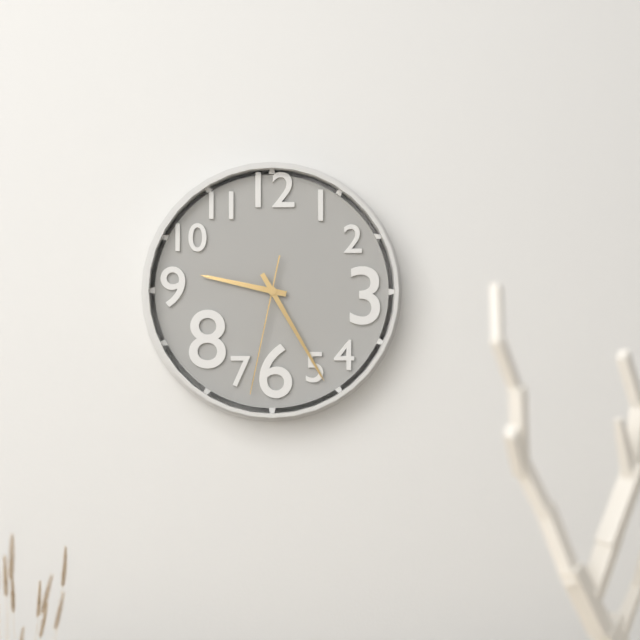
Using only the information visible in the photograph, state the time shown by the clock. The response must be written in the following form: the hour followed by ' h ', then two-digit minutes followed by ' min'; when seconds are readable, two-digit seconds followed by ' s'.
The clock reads 9 h 25 min 32 s
